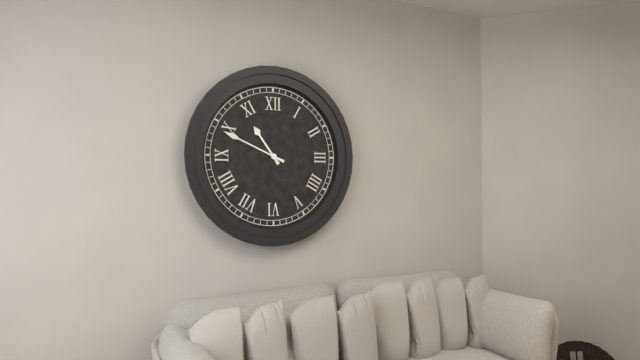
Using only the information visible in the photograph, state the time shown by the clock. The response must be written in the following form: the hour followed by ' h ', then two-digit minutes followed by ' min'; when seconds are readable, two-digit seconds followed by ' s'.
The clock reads 10 h 49 min
